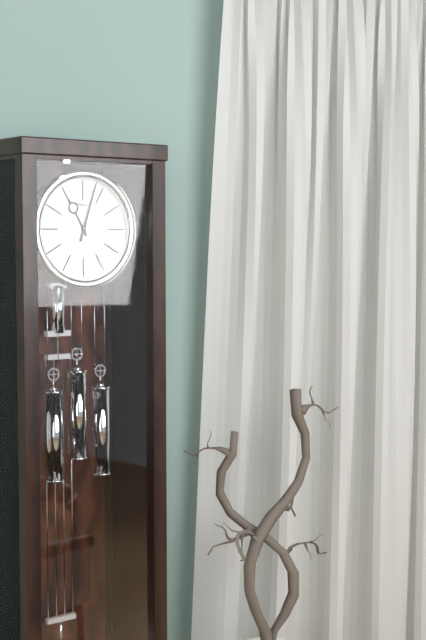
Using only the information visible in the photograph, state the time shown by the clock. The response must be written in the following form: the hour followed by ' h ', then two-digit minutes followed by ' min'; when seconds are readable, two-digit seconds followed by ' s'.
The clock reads 11 h 03 min
